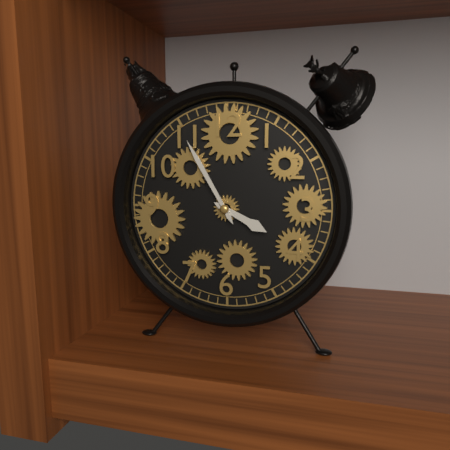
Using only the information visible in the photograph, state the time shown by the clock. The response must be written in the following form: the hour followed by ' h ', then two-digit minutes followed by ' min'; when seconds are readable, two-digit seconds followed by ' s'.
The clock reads 3 h 55 min
